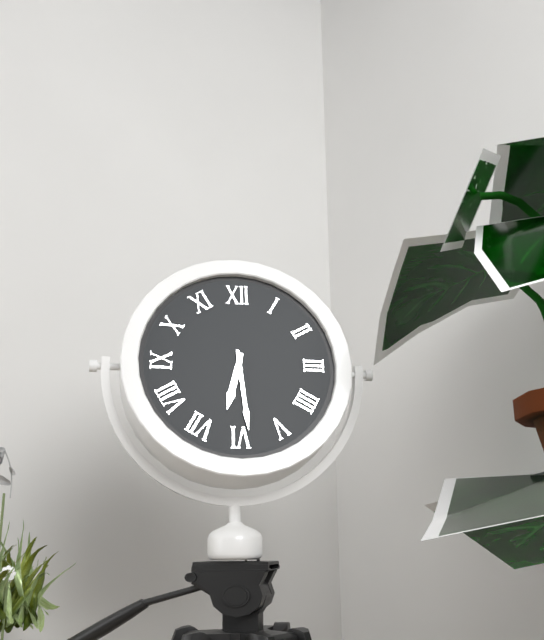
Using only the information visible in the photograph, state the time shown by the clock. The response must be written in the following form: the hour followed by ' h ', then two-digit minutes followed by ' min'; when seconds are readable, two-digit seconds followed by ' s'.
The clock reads 6 h 29 min
